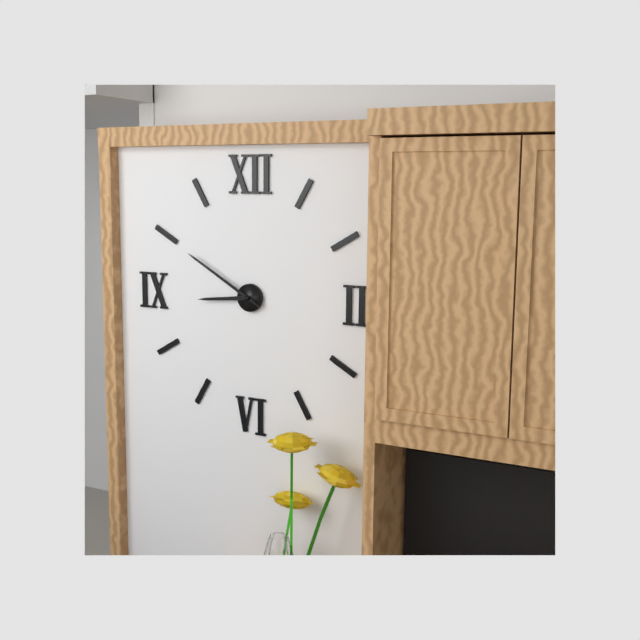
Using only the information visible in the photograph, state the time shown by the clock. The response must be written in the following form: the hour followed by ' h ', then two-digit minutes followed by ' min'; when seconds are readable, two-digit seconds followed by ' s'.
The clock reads 8 h 50 min
